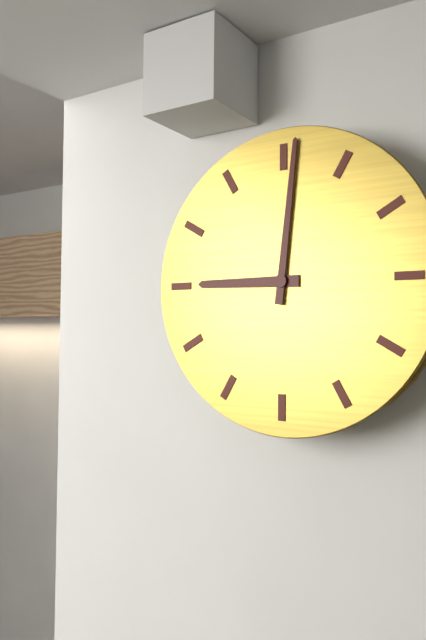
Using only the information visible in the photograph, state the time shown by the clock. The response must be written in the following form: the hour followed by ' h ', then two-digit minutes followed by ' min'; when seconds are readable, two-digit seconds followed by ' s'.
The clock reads 9 h 01 min
